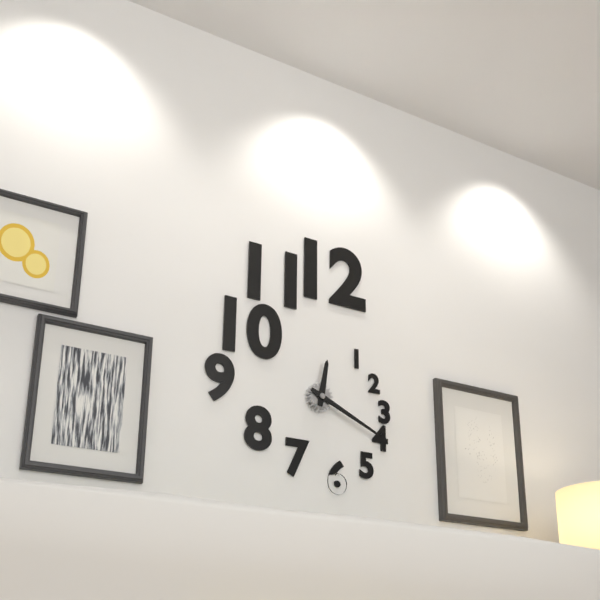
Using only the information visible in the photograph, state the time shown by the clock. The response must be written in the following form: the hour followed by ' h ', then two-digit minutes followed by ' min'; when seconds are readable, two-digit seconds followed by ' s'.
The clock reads 12 h 19 min
